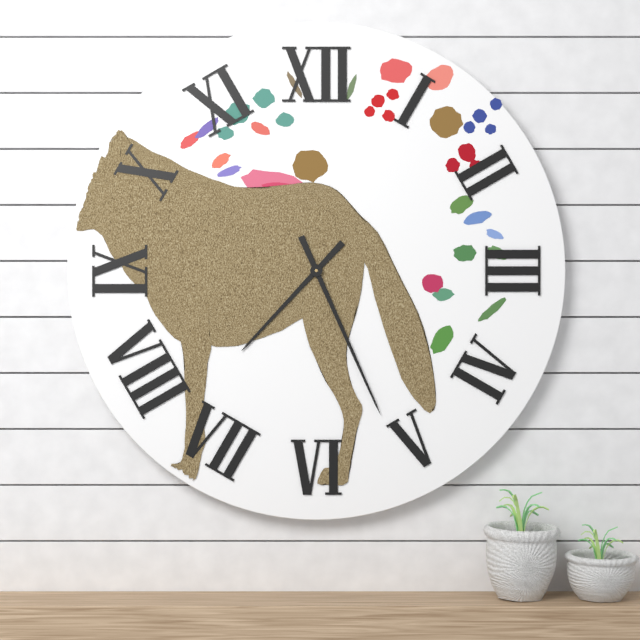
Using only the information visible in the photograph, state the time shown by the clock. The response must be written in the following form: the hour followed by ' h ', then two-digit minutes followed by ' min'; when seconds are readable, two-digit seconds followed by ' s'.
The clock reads 7 h 26 min
